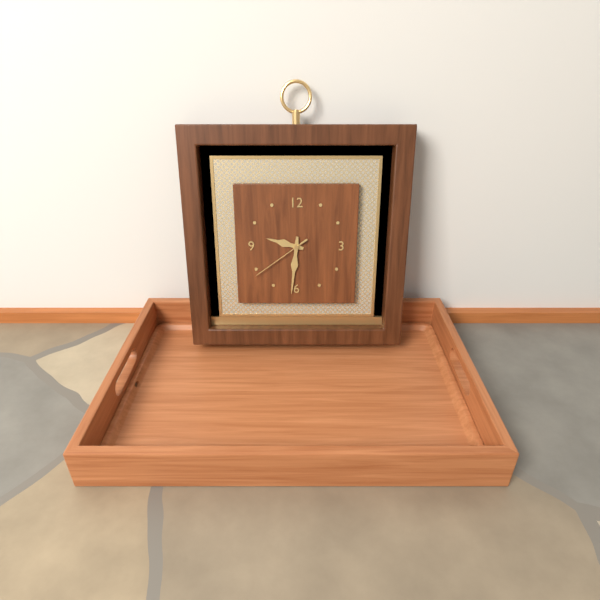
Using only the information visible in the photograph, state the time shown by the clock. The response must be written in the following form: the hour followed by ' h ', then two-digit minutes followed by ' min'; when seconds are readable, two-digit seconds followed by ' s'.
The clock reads 9 h 31 min 39 s
